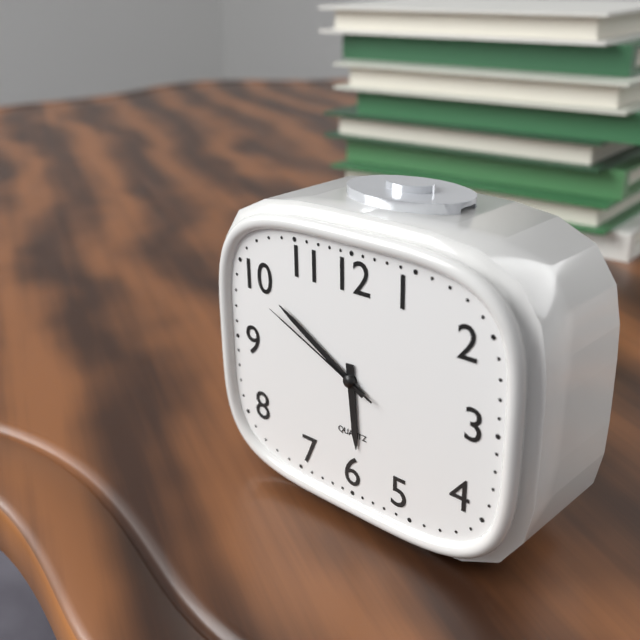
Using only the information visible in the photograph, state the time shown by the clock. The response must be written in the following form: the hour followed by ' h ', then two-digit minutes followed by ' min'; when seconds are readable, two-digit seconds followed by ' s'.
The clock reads 5 h 50 min 49 s
